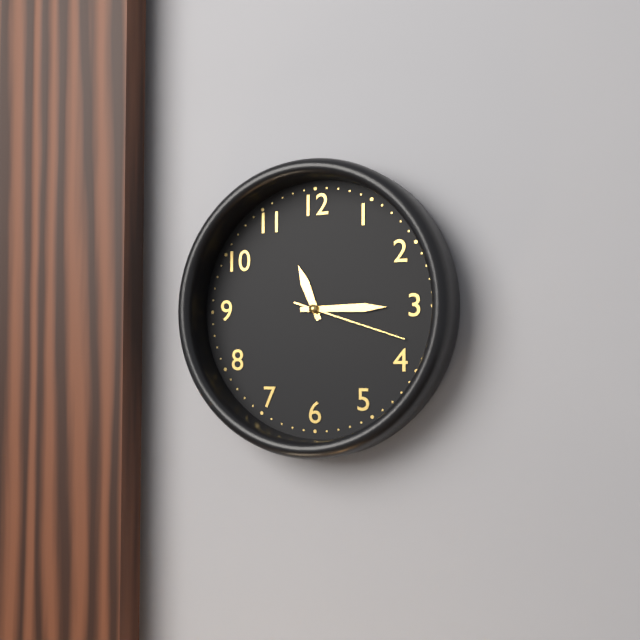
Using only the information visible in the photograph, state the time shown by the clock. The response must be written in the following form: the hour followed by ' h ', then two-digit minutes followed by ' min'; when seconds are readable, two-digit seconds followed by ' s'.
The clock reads 11 h 15 min 18 s
